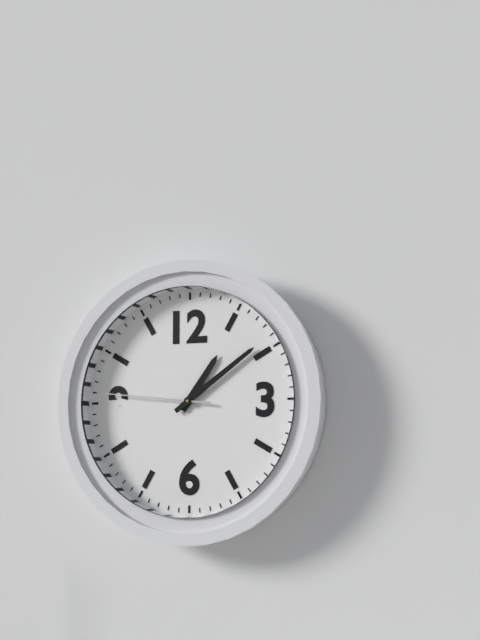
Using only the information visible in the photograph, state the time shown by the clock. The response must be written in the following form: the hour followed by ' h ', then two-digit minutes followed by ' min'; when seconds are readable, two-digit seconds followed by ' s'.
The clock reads 1 h 09 min 46 s
